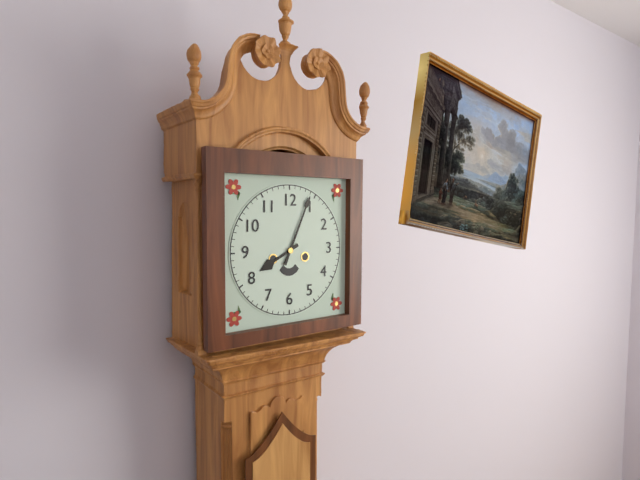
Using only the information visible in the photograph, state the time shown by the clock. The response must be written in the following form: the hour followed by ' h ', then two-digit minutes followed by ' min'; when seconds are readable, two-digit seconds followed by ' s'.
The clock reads 8 h 04 min
